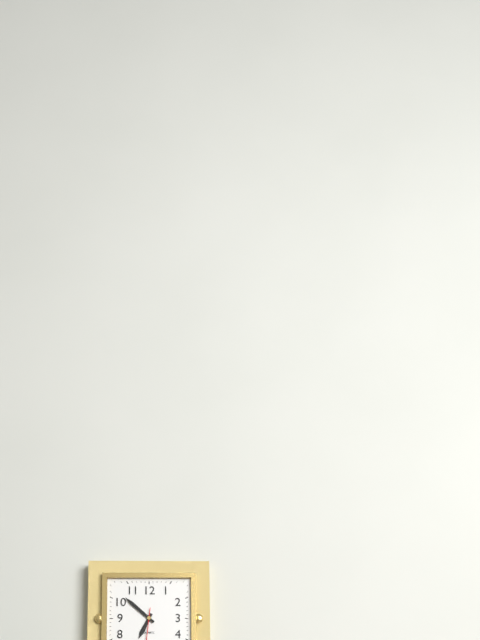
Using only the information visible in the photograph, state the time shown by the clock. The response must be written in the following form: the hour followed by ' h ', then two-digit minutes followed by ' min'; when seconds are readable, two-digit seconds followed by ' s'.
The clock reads 6 h 52 min
